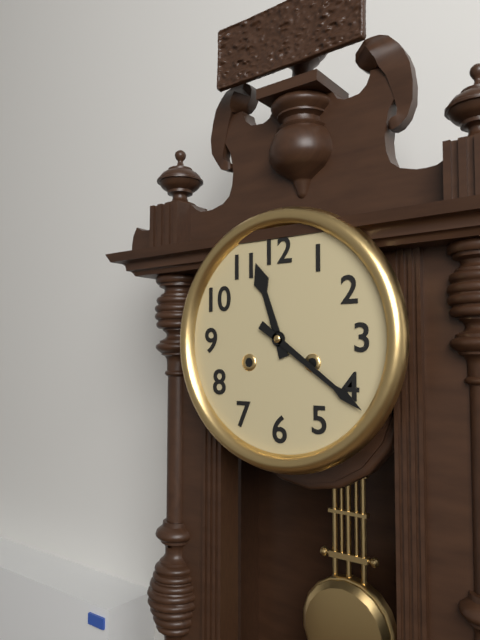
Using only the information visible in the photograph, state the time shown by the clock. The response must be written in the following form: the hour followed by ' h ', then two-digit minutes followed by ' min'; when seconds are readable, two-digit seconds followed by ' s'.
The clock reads 11 h 21 min
